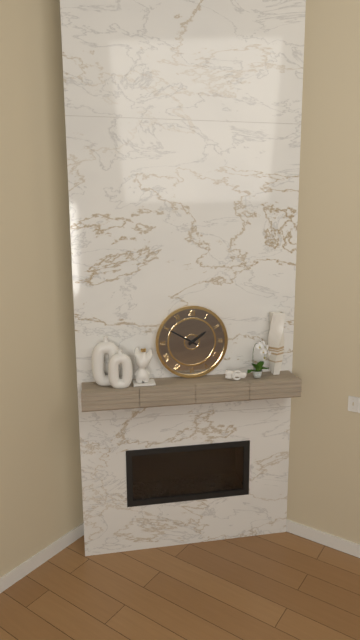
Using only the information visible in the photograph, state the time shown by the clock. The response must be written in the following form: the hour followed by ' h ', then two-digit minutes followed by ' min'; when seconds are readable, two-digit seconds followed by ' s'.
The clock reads 1 h 50 min
